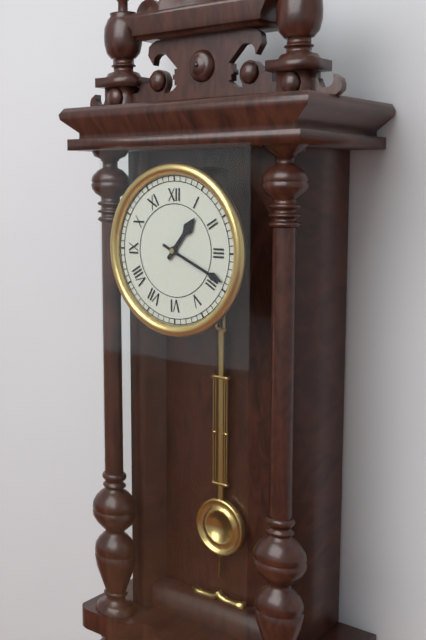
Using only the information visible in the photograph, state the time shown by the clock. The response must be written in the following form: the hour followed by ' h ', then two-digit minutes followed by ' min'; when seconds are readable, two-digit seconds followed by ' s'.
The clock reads 1 h 19 min
